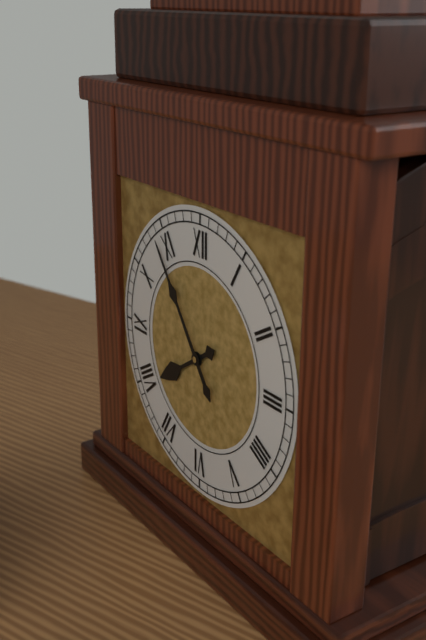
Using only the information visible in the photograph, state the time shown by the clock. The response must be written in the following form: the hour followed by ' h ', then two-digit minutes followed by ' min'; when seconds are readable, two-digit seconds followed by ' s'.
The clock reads 7 h 54 min
